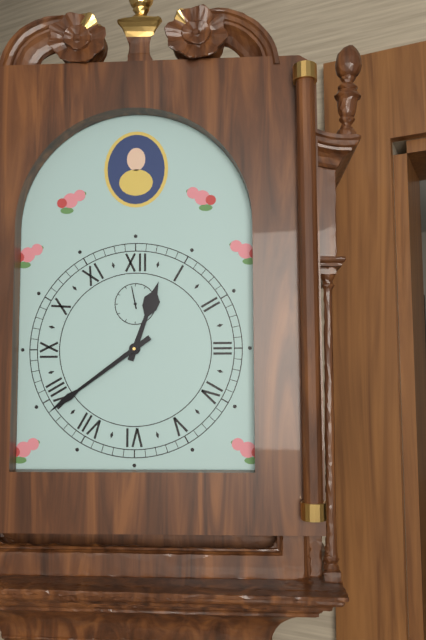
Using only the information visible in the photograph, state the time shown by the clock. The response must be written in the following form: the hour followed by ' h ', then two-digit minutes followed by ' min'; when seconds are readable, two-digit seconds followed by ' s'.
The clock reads 12 h 39 min
